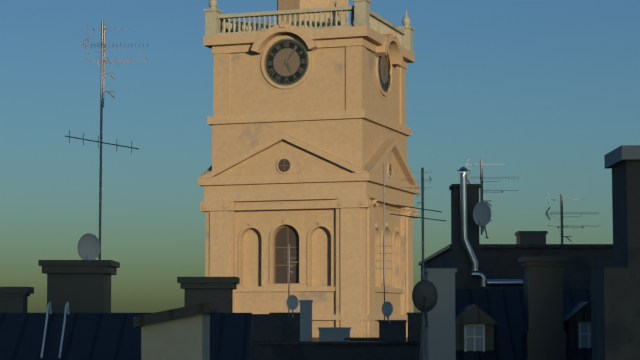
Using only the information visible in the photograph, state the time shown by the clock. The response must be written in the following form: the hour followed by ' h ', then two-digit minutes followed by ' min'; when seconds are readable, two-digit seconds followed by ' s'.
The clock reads 5 h 06 min
